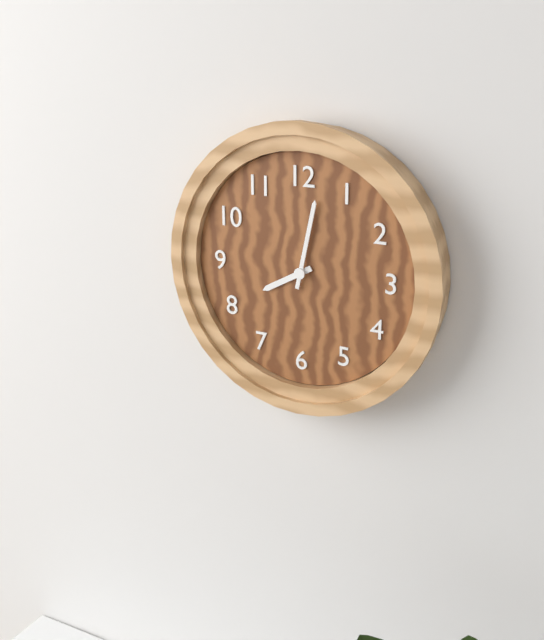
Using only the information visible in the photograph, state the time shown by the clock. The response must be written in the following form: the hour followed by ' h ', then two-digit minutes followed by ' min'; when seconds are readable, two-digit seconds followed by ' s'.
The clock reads 8 h 02 min
